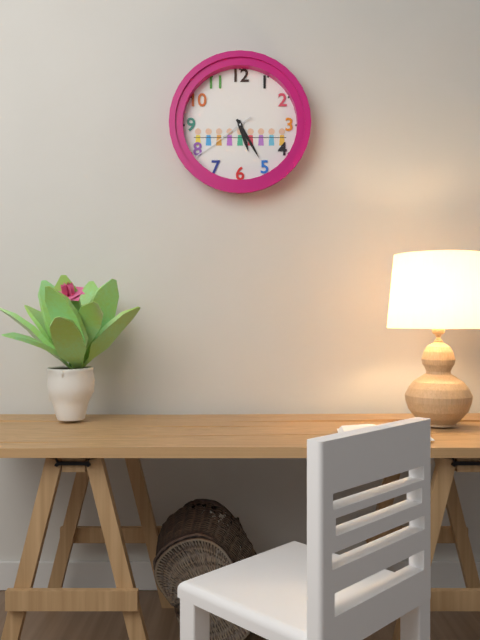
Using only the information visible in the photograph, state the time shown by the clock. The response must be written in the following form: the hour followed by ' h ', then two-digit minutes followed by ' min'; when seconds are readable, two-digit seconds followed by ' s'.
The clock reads 5 h 25 min 39 s
